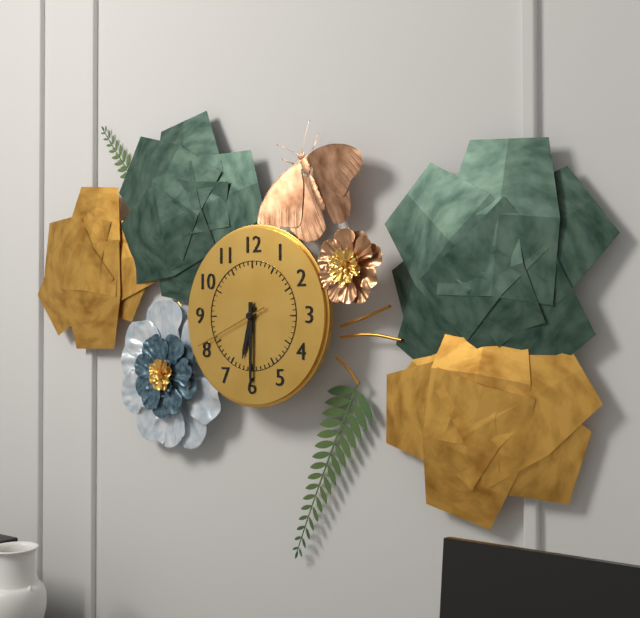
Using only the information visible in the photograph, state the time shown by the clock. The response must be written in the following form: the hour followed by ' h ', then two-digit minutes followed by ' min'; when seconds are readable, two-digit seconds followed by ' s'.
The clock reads 6 h 30 min 41 s
